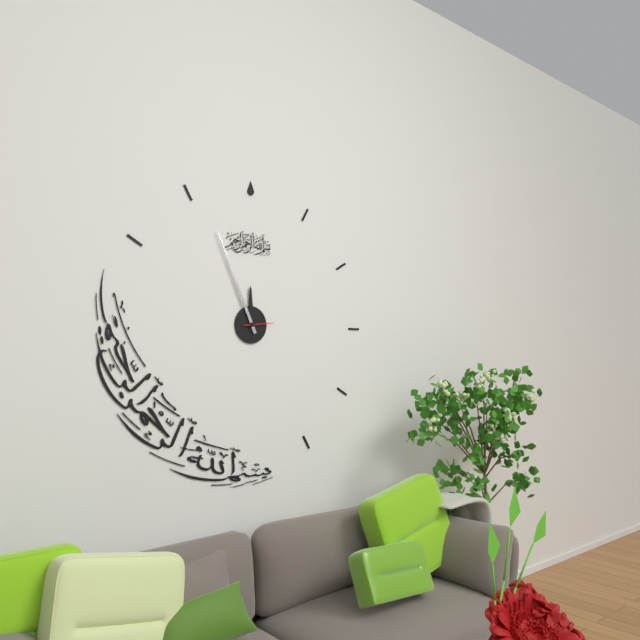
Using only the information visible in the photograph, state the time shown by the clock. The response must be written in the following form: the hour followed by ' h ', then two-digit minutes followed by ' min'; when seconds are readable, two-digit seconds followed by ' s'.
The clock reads 11 h 56 min
